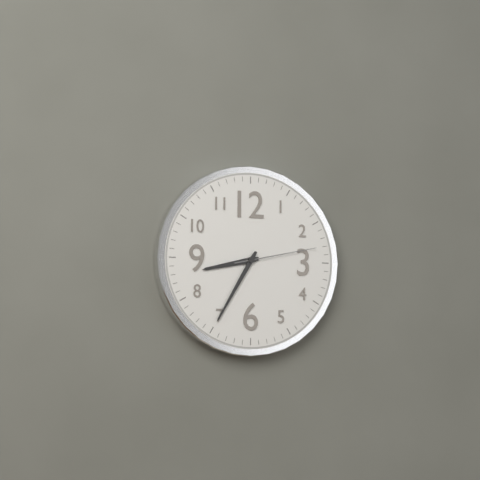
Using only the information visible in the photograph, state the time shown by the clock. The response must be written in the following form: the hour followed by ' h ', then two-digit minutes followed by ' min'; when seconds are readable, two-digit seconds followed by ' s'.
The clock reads 8 h 35 min 13 s
